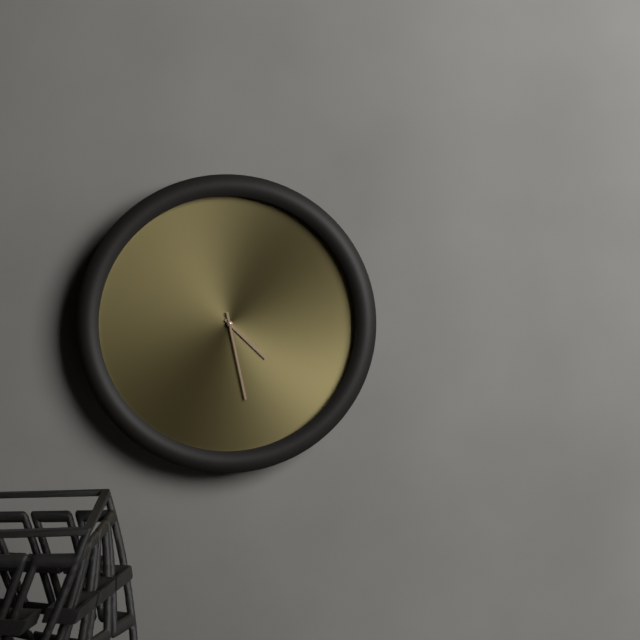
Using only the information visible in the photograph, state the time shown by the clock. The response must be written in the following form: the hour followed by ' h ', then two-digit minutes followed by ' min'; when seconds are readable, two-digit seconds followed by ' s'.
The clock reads 4 h 28 min
